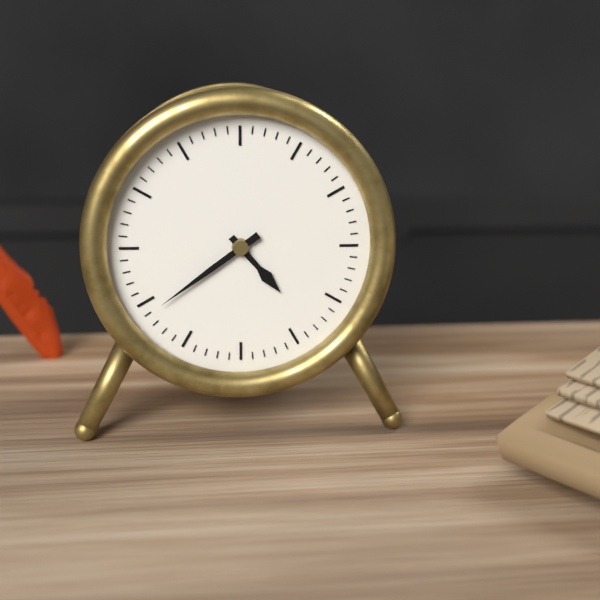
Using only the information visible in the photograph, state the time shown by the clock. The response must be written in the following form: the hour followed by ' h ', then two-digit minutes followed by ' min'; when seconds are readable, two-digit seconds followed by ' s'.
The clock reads 4 h 39 min
